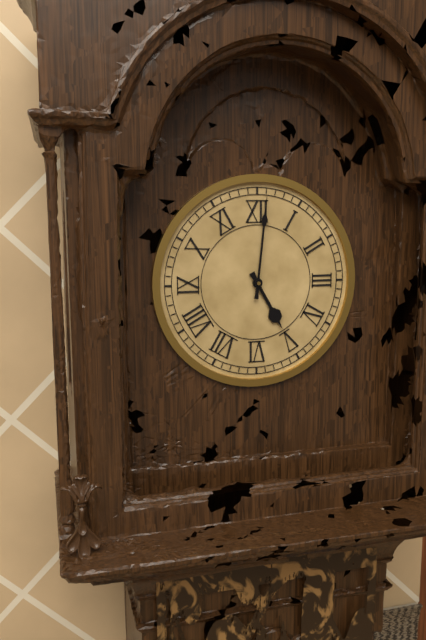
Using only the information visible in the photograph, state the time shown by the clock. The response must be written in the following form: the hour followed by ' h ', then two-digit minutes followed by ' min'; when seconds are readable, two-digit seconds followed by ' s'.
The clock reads 5 h 01 min
